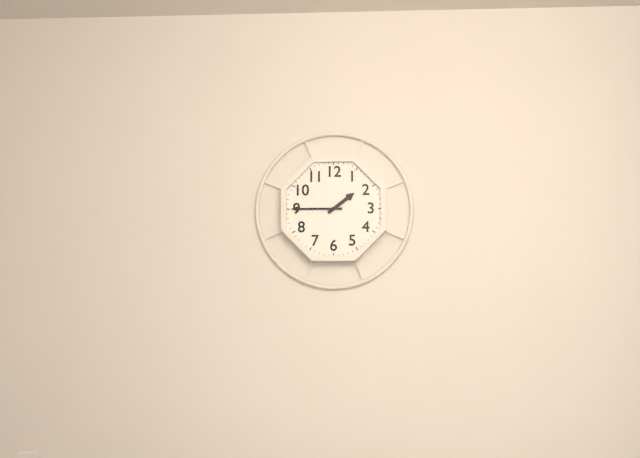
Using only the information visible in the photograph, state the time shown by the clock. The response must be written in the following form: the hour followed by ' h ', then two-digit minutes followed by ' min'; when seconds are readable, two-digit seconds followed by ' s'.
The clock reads 1 h 45 min
